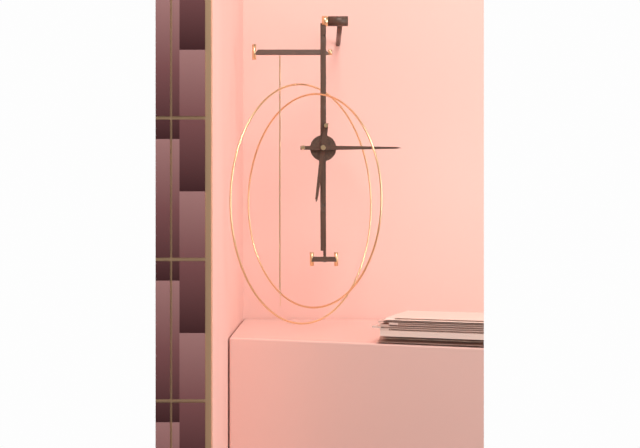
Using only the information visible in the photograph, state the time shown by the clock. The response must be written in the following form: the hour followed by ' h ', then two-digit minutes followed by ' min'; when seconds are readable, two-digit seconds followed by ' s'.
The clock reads 6 h 15 min
